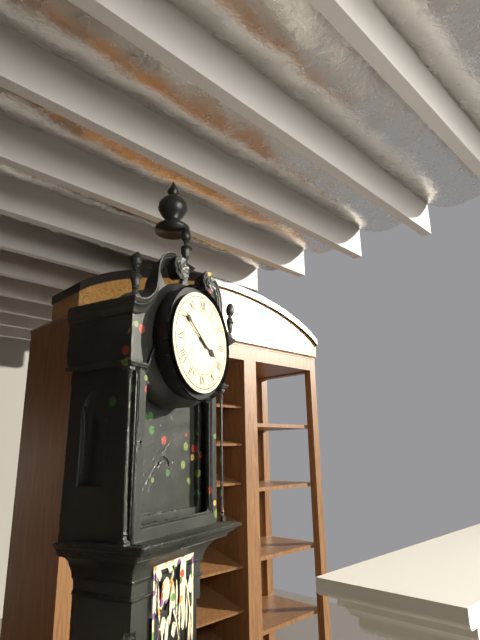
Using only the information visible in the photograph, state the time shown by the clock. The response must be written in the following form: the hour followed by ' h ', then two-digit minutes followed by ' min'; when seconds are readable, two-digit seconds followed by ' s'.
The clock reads 3 h 51 min
